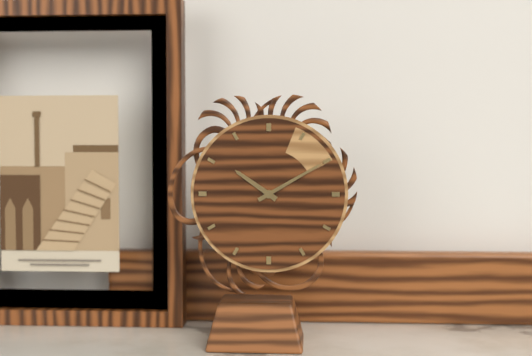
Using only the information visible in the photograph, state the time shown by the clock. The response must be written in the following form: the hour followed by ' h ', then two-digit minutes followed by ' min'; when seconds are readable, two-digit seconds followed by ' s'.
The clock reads 10 h 10 min
